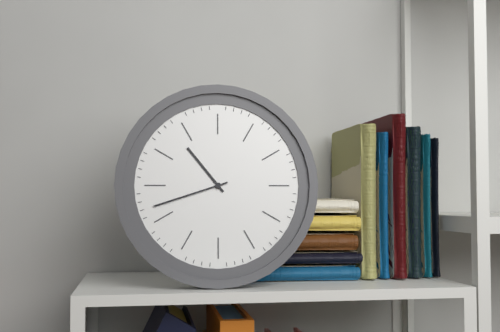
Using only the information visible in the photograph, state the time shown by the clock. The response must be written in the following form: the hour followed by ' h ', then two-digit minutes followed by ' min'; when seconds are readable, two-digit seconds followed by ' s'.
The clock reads 10 h 42 min
